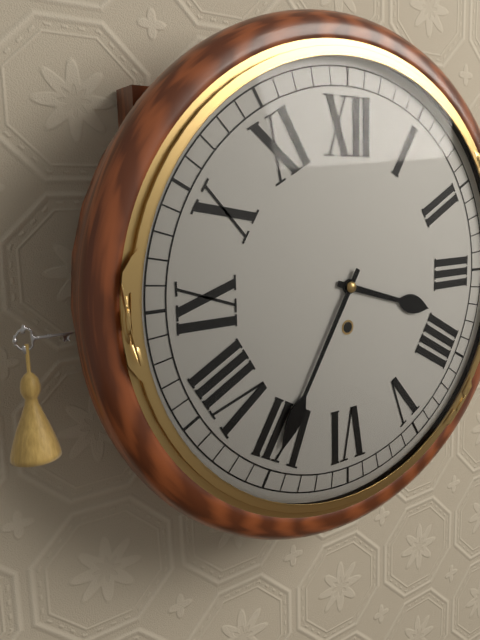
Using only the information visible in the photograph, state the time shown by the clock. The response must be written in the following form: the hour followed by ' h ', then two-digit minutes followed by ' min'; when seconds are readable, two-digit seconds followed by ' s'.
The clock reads 3 h 35 min
